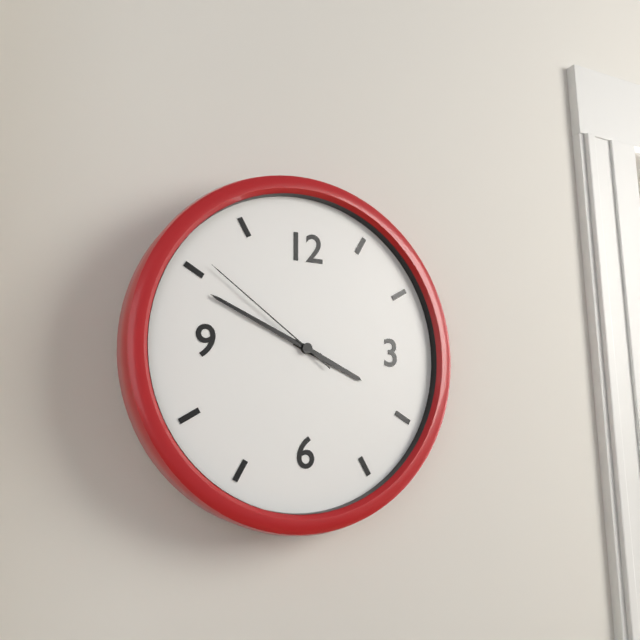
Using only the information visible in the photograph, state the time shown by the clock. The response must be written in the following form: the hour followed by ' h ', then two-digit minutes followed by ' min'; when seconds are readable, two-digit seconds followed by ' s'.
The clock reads 3 h 49 min 51 s
